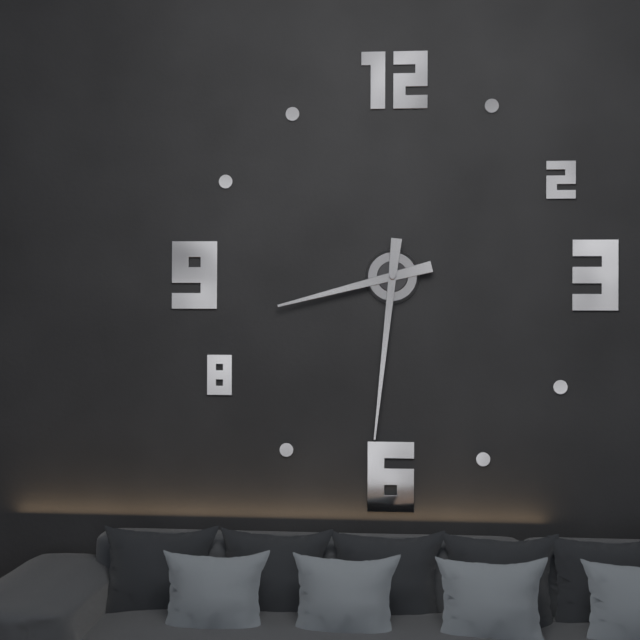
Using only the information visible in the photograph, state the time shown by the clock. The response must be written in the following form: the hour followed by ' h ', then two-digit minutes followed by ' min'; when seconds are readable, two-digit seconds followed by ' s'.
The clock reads 8 h 31 min
